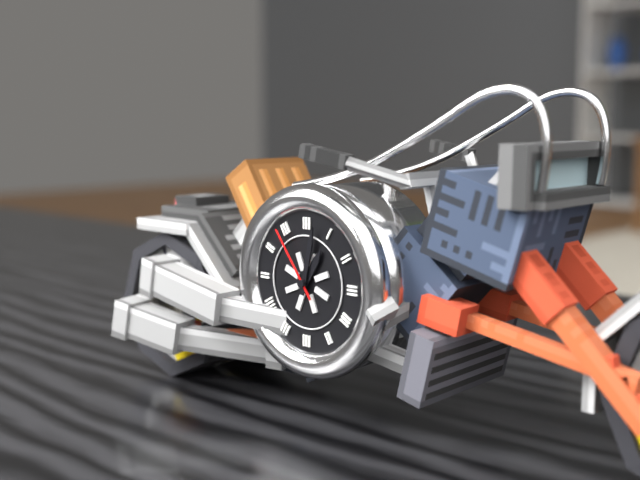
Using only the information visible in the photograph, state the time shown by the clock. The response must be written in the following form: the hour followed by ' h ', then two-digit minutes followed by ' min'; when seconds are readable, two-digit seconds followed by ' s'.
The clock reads 1 h 02 min 54 s
